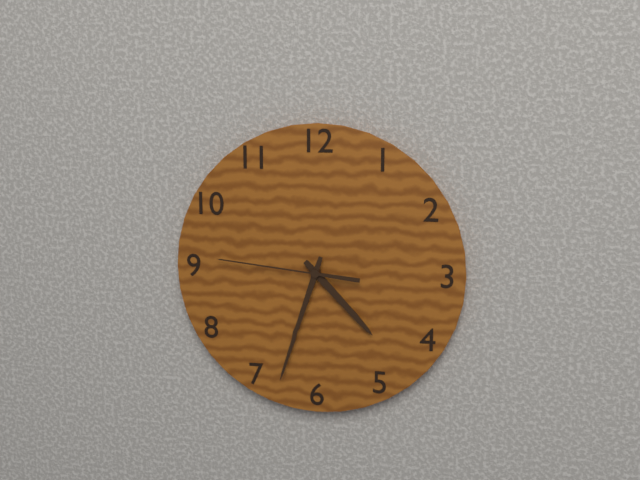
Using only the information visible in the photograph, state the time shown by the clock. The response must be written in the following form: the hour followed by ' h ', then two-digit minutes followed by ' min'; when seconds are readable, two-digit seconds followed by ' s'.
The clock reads 4 h 33 min 46 s
